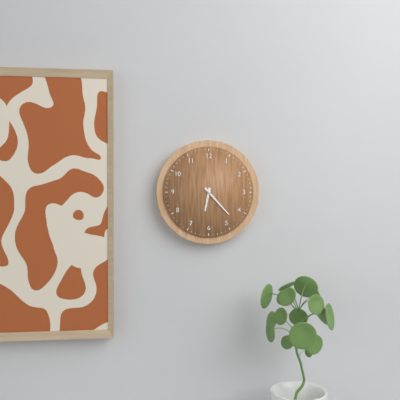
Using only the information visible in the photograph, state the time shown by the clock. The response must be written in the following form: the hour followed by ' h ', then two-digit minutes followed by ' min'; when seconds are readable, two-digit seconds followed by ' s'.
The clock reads 6 h 23 min
